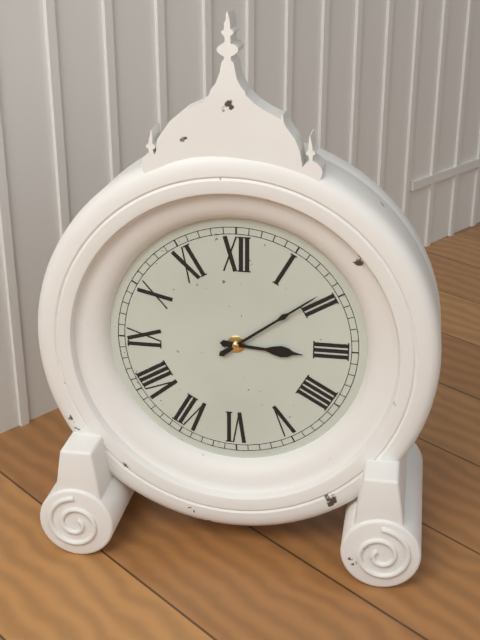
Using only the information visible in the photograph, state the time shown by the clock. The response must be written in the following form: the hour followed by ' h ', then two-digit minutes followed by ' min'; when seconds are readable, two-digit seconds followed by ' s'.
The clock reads 3 h 09 min
